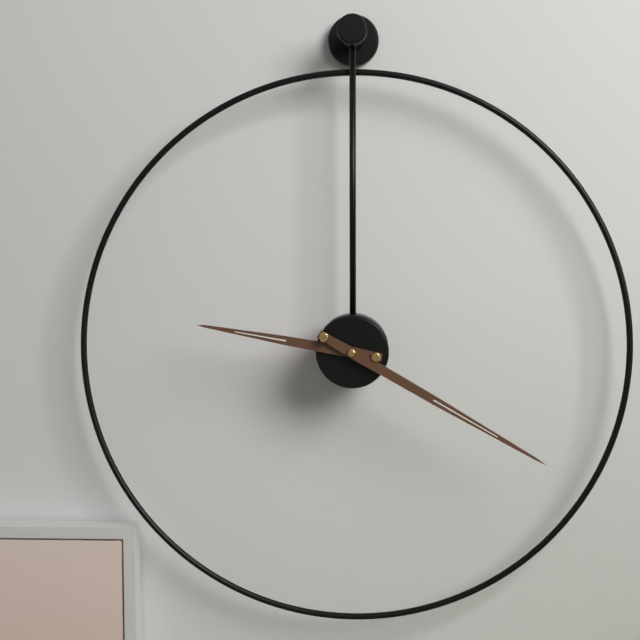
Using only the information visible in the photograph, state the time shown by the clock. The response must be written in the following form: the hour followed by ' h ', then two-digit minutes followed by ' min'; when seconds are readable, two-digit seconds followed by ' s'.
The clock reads 9 h 20 min
